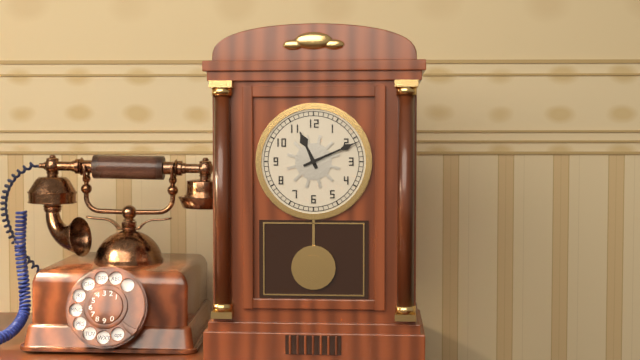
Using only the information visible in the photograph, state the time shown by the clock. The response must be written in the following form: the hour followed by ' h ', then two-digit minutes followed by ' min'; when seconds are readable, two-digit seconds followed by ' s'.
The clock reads 11 h 11 min
